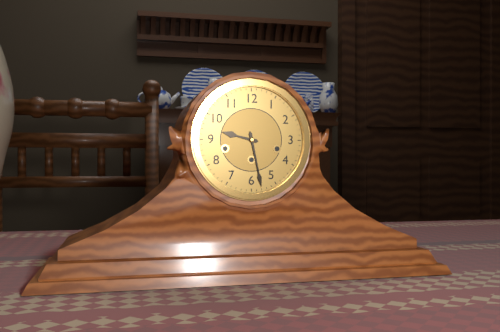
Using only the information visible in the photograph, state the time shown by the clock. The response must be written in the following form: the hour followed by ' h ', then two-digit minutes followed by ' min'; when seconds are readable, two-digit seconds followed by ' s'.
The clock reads 9 h 28 min
